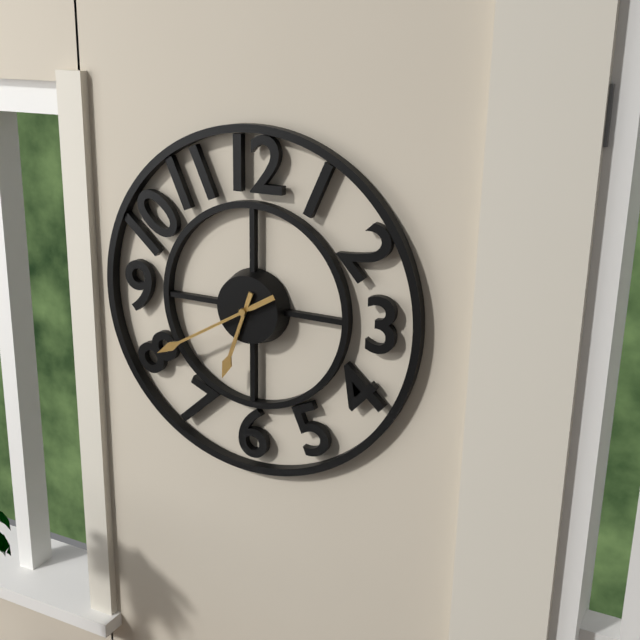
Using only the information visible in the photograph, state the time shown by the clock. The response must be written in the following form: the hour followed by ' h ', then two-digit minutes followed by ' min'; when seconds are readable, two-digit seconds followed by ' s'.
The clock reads 6 h 40 min
